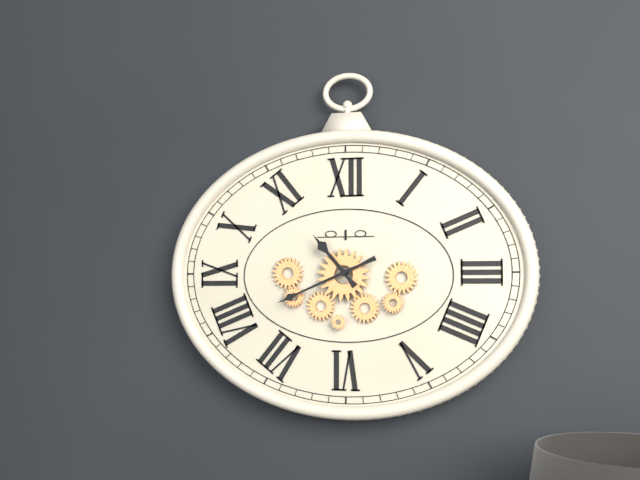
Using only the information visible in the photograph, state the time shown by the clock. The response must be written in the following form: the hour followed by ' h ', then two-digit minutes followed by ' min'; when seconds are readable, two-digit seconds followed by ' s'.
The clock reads 10 h 41 min
